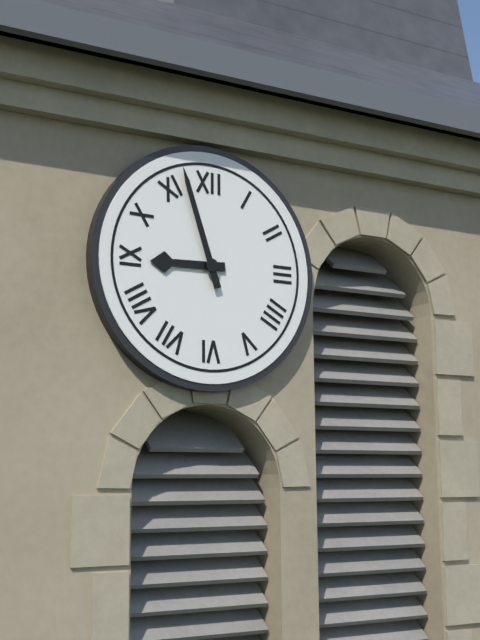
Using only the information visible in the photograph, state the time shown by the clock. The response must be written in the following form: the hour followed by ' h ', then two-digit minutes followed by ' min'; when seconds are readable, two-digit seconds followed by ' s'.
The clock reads 8 h 57 min
